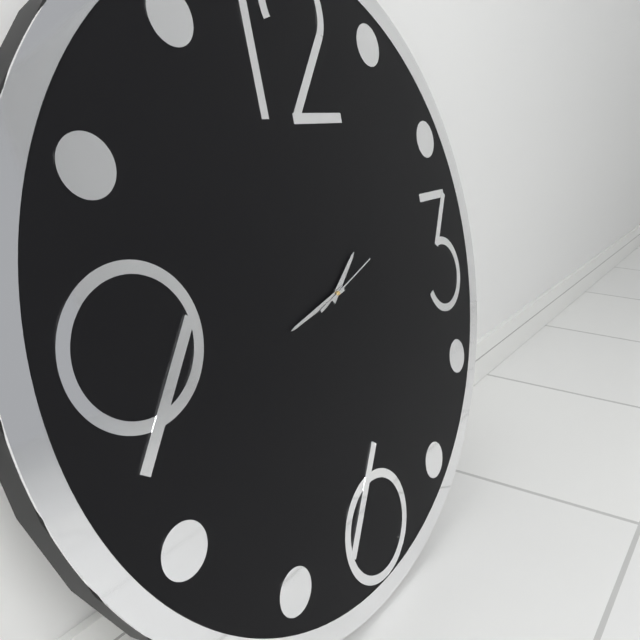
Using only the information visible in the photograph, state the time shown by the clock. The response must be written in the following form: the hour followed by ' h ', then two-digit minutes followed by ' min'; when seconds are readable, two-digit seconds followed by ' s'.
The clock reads 1 h 43 min 12 s
